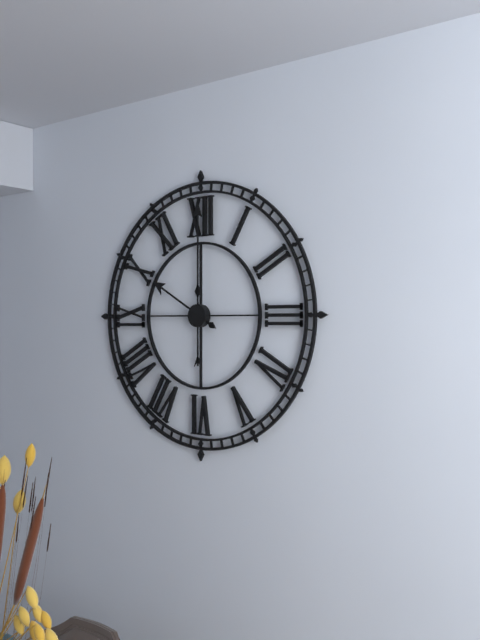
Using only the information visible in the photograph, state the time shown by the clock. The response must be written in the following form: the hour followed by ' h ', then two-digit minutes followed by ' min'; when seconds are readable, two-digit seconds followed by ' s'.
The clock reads 10 h 00 min
